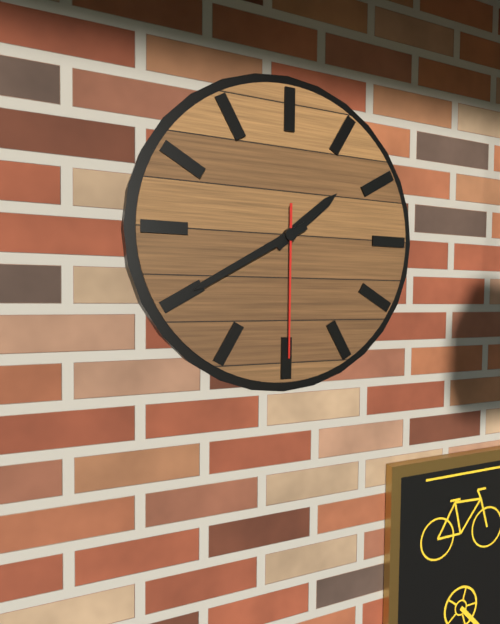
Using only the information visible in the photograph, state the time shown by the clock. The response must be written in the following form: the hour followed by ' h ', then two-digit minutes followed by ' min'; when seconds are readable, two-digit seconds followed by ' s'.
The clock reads 1 h 40 min 30 s
